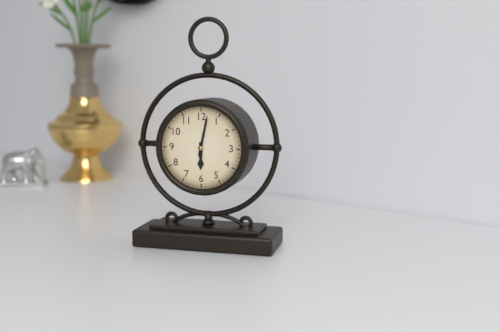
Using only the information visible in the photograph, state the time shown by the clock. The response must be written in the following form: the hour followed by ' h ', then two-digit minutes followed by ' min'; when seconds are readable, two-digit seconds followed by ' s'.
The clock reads 6 h 02 min
